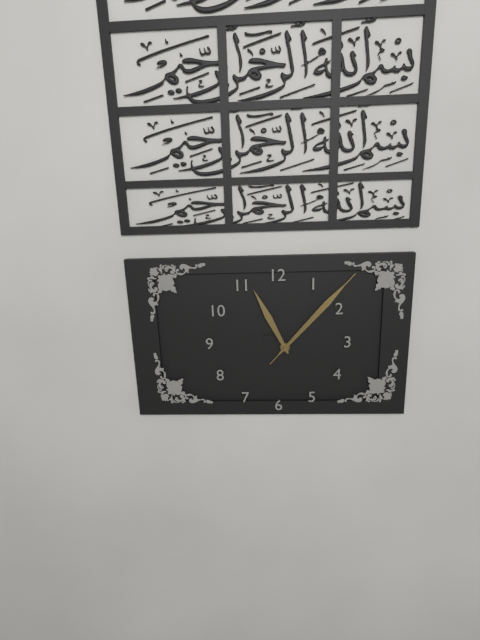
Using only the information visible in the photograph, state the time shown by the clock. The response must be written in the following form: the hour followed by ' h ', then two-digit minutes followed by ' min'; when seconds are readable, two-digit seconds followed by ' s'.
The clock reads 11 h 07 min 07 s
